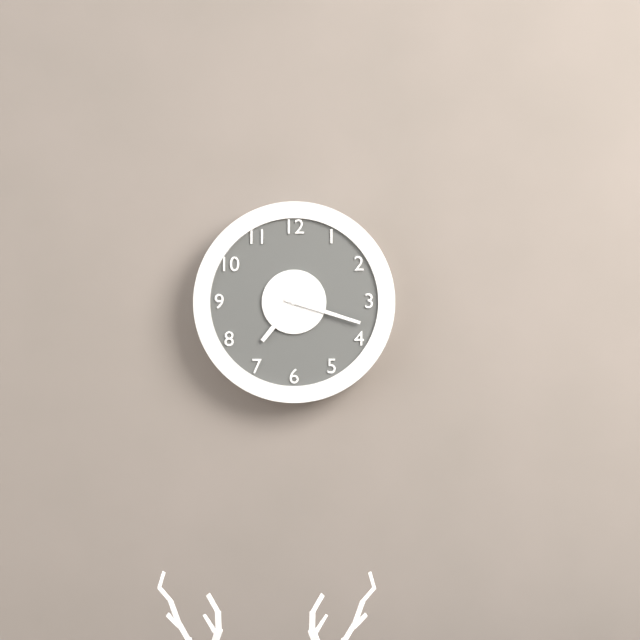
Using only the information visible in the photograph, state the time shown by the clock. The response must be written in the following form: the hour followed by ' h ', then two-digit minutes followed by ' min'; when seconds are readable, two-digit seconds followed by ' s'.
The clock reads 7 h 18 min
